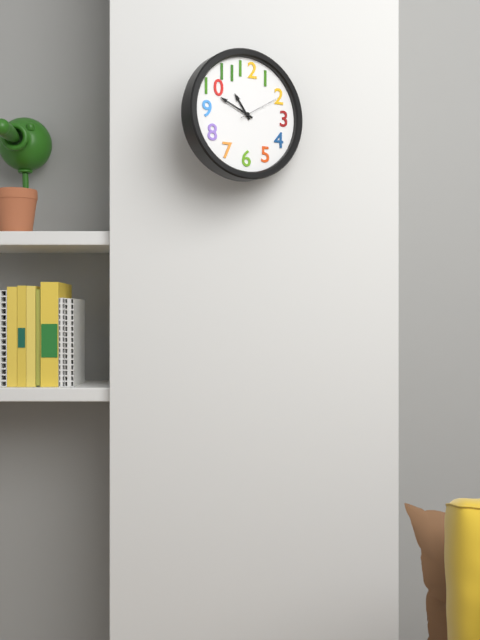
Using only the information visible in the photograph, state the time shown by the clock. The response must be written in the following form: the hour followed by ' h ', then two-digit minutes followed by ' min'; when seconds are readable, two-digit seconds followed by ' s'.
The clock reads 10 h 49 min
